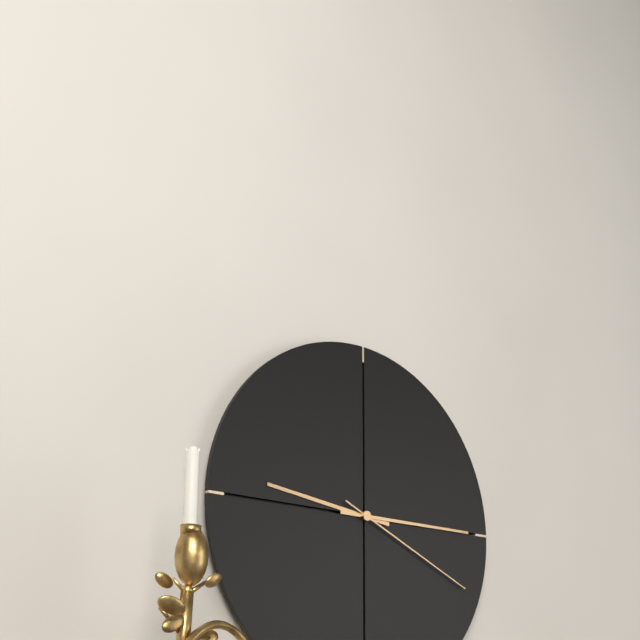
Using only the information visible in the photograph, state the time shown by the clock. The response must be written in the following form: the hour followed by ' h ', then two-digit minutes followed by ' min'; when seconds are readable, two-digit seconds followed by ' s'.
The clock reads 9 h 15 min 19 s
